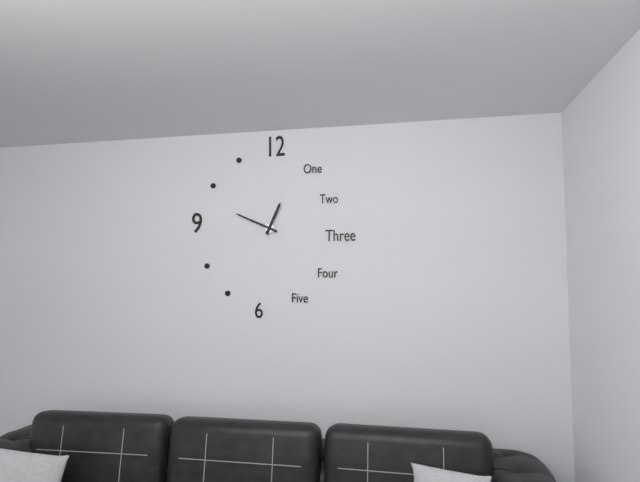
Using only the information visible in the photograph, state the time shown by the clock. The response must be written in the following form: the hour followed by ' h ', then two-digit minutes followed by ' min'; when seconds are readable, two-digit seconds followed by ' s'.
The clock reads 12 h 49 min
